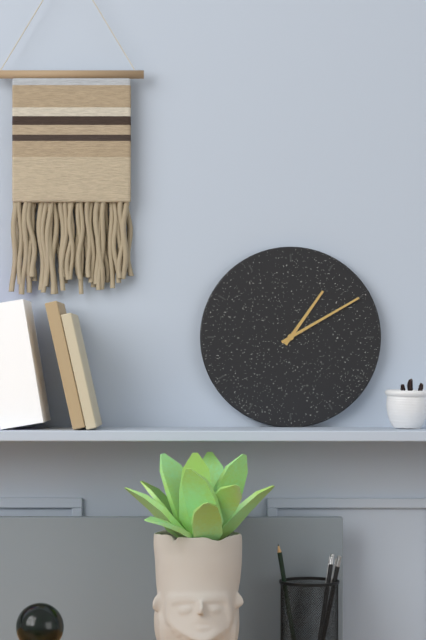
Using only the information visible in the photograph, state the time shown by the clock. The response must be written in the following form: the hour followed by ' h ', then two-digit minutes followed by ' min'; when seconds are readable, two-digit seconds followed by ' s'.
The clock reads 1 h 10 min
